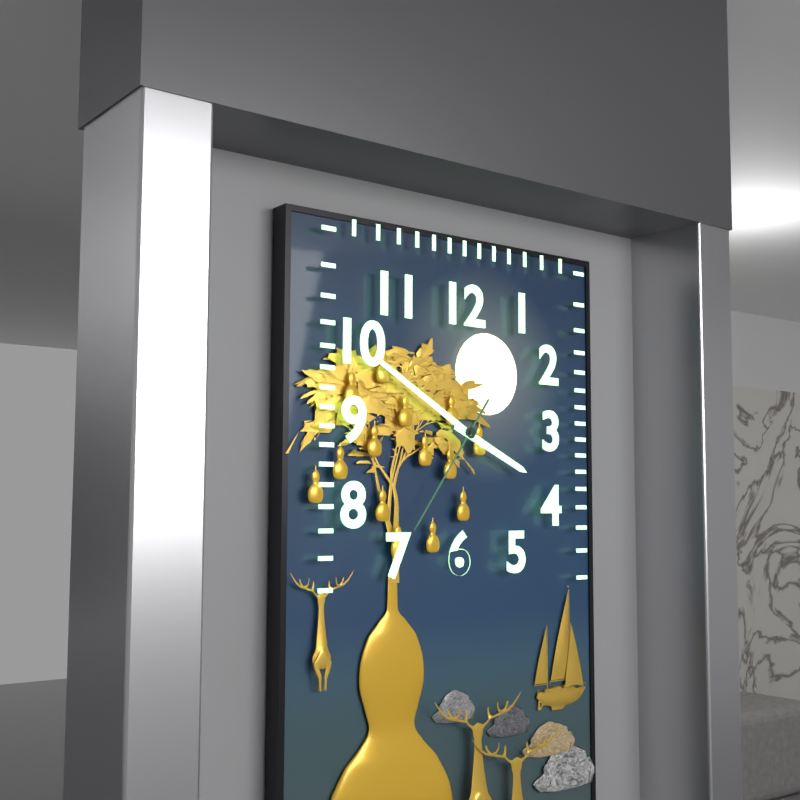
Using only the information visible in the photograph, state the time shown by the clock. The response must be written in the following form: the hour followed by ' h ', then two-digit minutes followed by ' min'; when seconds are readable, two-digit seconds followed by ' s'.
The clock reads 3 h 50 min 36 s
